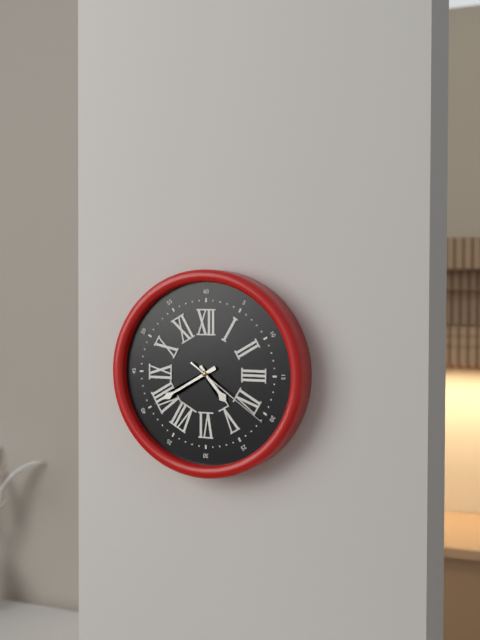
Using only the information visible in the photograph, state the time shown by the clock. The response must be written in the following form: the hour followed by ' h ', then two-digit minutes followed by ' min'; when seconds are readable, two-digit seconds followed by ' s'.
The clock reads 4 h 40 min 21 s
